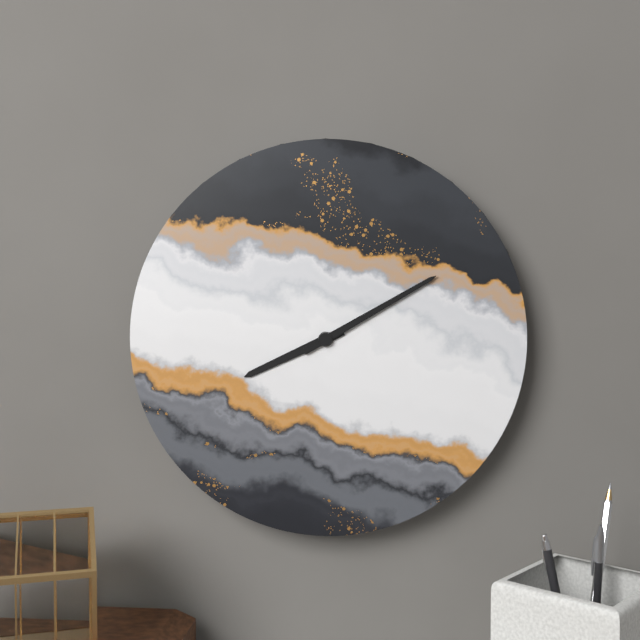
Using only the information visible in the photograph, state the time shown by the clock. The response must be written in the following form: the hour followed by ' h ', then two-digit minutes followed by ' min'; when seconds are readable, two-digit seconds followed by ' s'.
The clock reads 8 h 10 min
